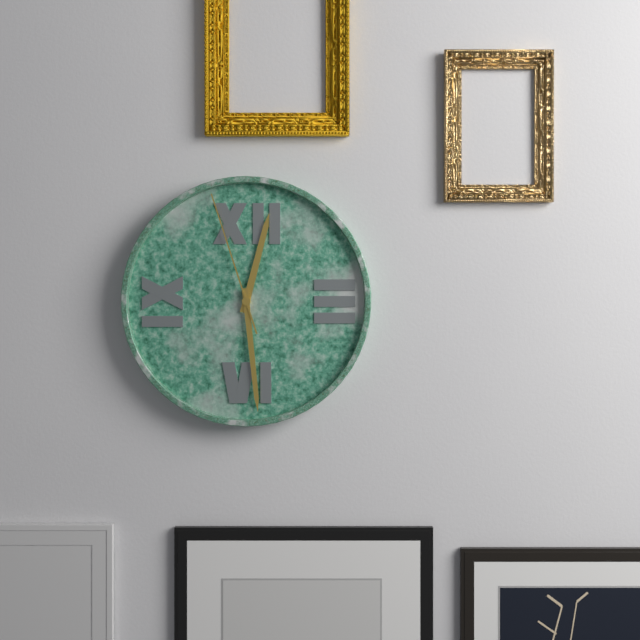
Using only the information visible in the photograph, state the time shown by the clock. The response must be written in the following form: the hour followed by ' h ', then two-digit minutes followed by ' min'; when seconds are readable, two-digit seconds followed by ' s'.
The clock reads 12 h 29 min 57 s
